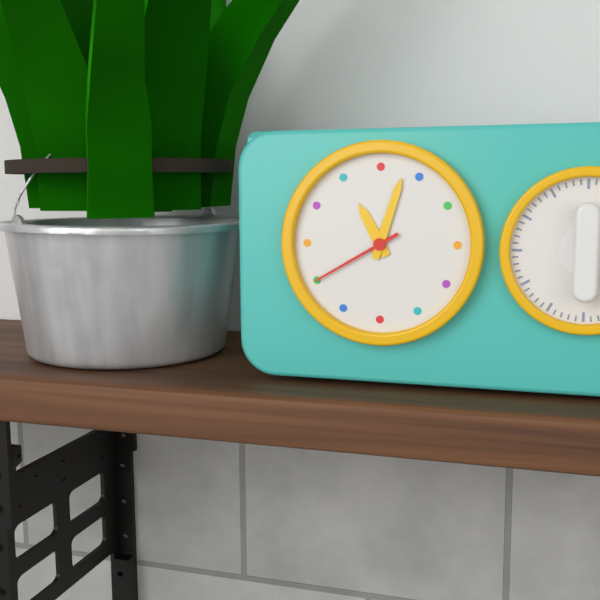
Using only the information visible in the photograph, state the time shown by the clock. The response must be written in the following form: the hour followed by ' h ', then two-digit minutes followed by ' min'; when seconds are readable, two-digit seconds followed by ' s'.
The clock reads 11 h 03 min 40 s
